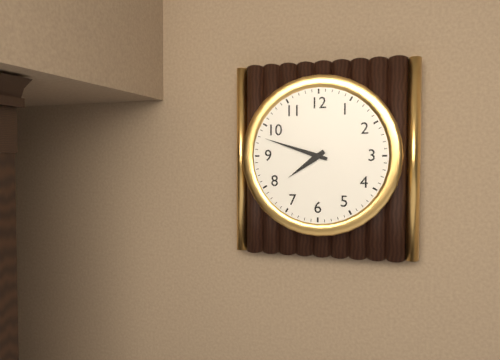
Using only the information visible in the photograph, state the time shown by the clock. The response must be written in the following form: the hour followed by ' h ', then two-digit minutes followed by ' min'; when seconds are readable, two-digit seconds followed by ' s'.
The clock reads 7 h 48 min
